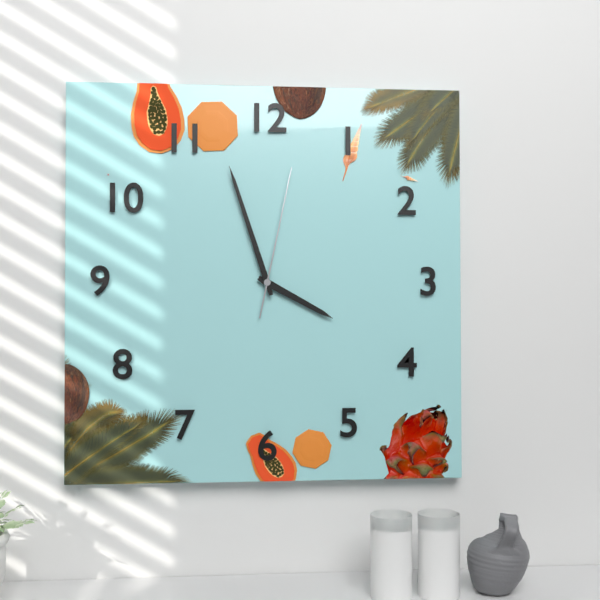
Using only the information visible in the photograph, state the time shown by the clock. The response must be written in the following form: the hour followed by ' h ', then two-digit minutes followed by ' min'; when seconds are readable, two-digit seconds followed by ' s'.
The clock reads 3 h 57 min 02 s
